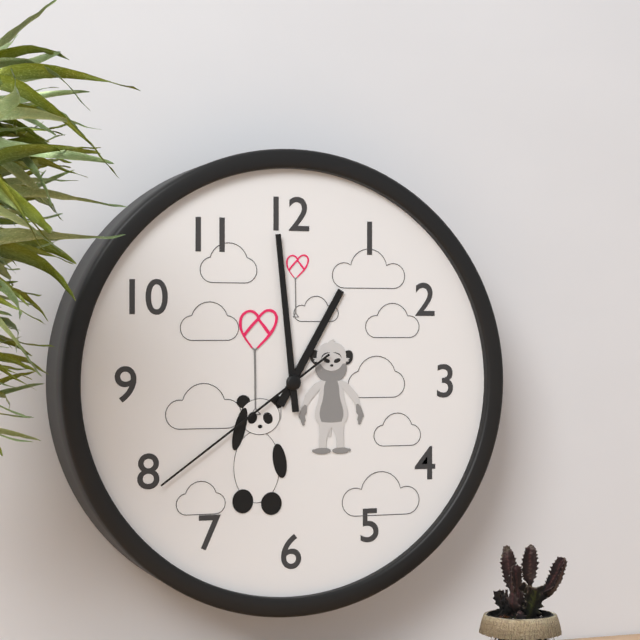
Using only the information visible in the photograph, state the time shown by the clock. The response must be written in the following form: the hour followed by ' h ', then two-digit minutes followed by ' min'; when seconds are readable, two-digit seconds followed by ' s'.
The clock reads 12 h 59 min 39 s
